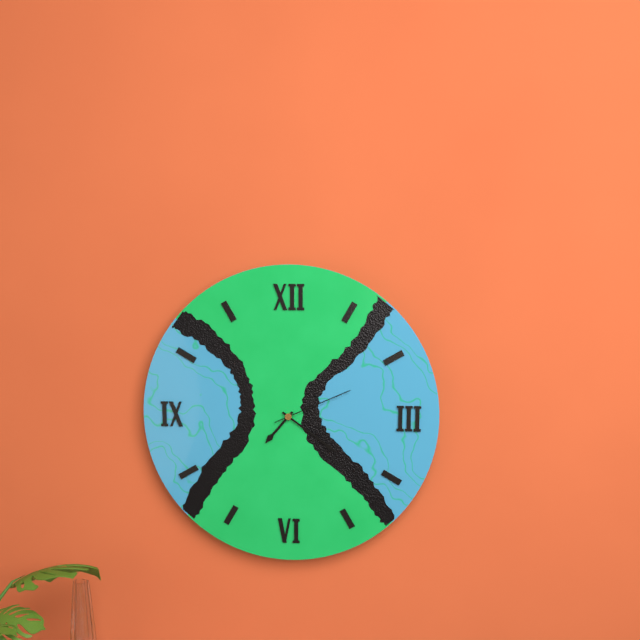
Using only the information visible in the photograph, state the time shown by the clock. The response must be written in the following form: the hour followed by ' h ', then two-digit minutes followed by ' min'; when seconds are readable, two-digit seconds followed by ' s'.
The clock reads 7 h 21 min 11 s
